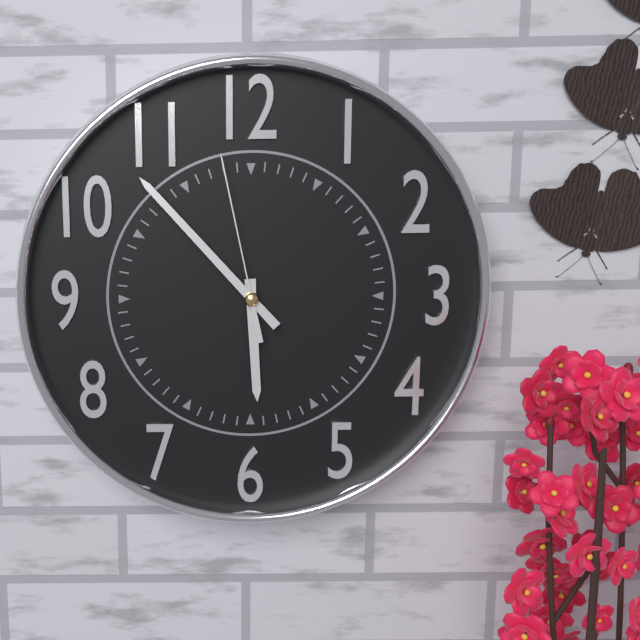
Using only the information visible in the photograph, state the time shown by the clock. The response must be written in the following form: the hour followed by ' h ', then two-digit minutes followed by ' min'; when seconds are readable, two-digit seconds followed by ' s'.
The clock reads 5 h 53 min 58 s
